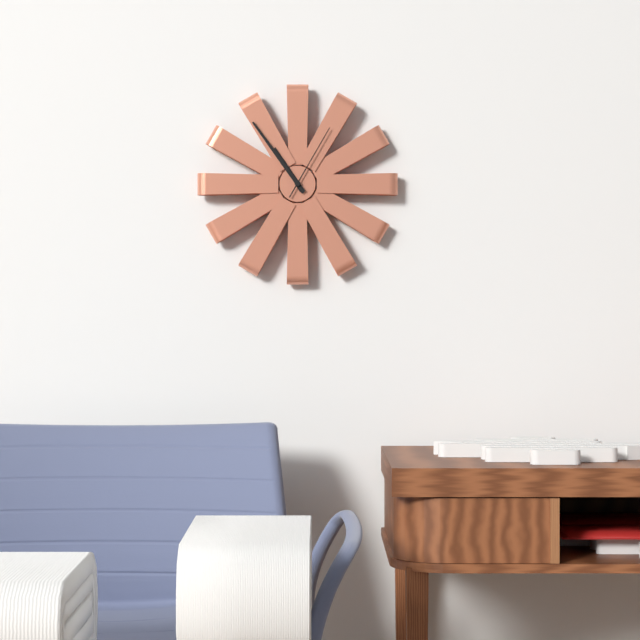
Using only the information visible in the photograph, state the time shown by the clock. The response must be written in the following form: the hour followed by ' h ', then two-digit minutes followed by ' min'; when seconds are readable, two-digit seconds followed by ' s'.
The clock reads 10 h 54 min 05 s
